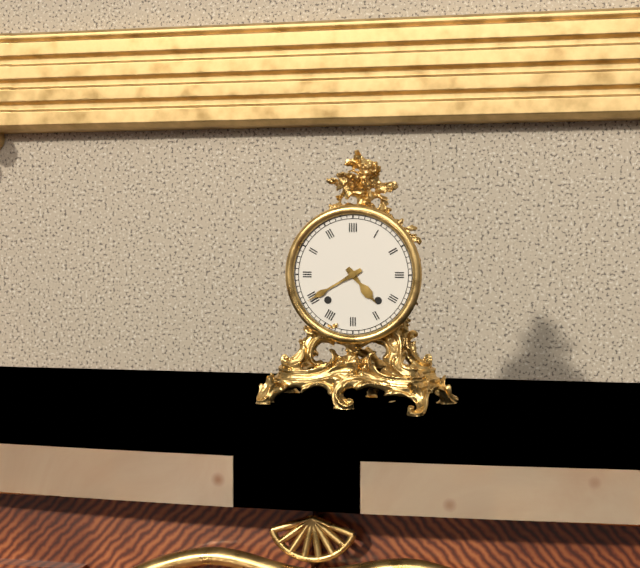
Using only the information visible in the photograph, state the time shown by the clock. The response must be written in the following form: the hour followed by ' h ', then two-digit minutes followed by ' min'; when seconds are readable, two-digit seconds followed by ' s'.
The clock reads 4 h 40 min
